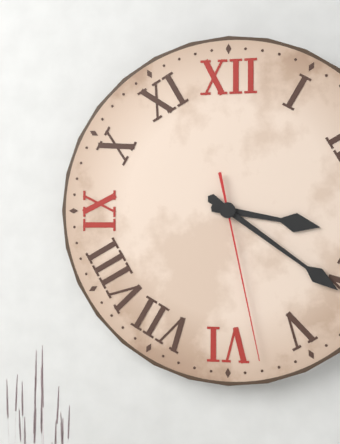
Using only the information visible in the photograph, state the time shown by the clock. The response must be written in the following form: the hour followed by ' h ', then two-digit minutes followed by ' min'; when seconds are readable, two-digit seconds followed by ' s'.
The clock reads 3 h 21 min 28 s
